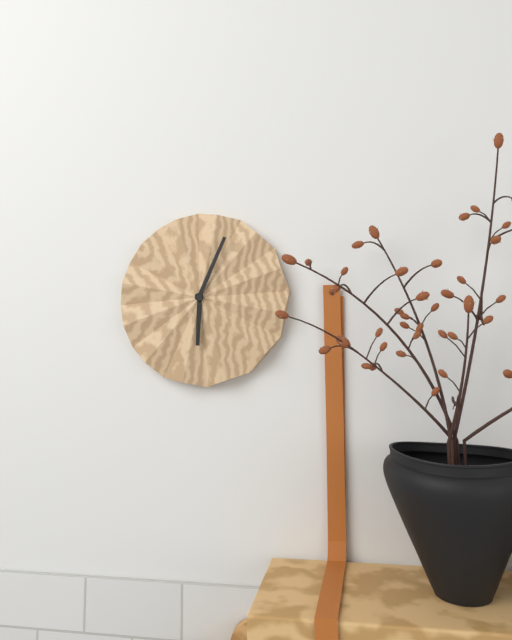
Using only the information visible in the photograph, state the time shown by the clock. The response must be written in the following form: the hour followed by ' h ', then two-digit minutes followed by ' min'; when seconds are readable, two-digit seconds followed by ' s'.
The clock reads 6 h 04 min
